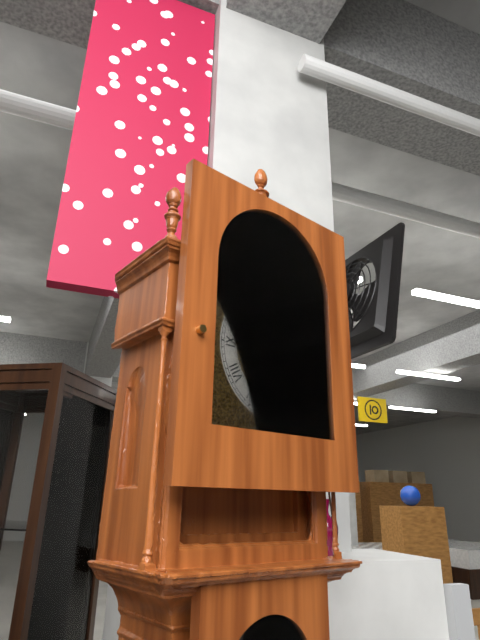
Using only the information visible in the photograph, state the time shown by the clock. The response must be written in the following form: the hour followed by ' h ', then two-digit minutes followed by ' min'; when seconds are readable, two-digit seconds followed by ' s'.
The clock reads 2 h 59 min
